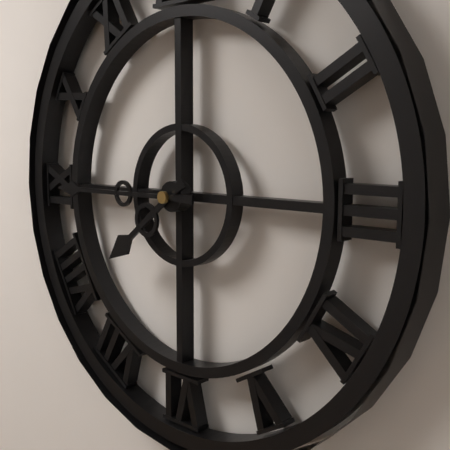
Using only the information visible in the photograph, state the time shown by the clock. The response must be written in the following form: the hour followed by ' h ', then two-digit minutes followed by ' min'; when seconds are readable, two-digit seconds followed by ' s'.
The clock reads 7 h 45 min
